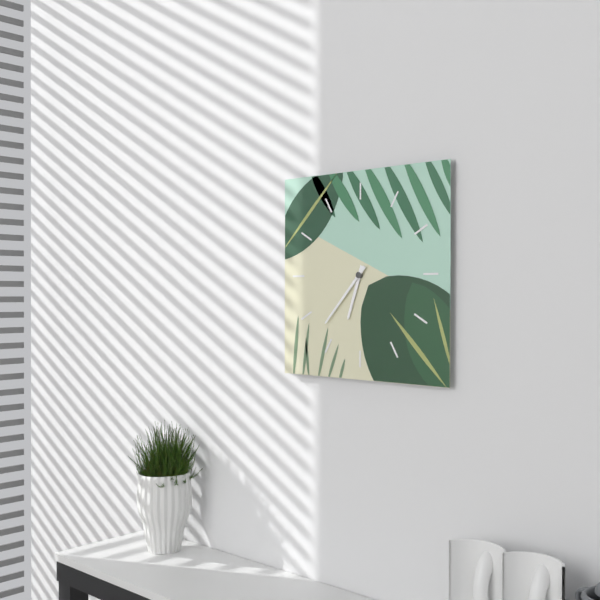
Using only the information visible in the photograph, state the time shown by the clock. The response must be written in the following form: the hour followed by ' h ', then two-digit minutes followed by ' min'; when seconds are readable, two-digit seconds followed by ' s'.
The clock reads 6 h 37 min
